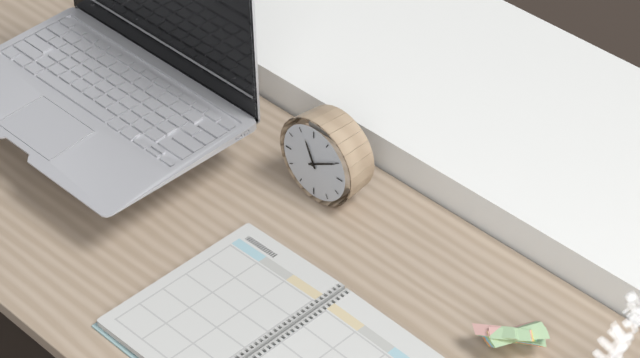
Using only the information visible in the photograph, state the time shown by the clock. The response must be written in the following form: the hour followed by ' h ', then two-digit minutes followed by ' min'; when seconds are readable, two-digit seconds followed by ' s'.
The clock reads 11 h 10 min
